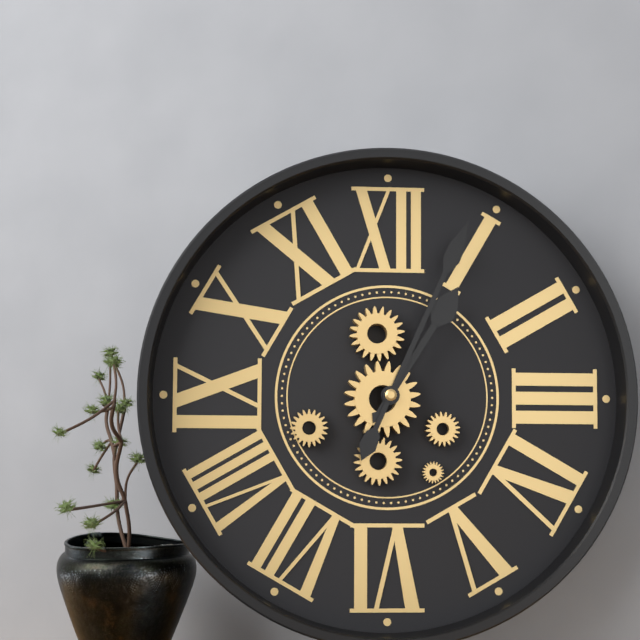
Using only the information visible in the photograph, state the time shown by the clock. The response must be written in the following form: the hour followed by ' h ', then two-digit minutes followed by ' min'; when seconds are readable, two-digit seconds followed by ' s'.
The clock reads 1 h 04 min
